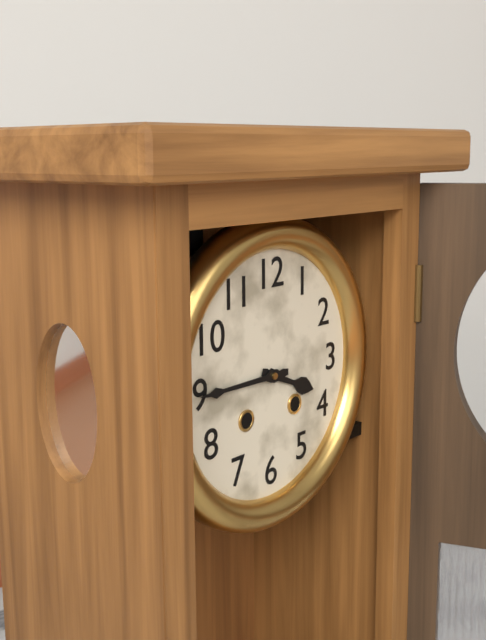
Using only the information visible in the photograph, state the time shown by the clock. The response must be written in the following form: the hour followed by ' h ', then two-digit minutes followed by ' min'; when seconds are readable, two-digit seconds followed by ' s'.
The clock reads 3 h 45 min
